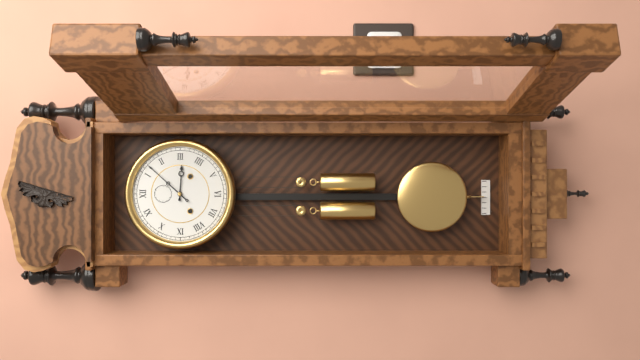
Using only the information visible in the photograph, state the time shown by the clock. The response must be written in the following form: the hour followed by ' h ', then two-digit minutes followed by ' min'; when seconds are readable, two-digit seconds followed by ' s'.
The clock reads 3 h 07 min
